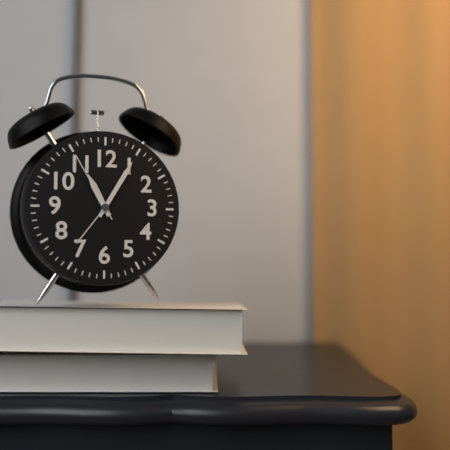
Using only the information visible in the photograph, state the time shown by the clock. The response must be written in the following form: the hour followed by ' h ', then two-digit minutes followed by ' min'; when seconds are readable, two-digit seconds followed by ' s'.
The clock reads 11 h 05 min 55 s
